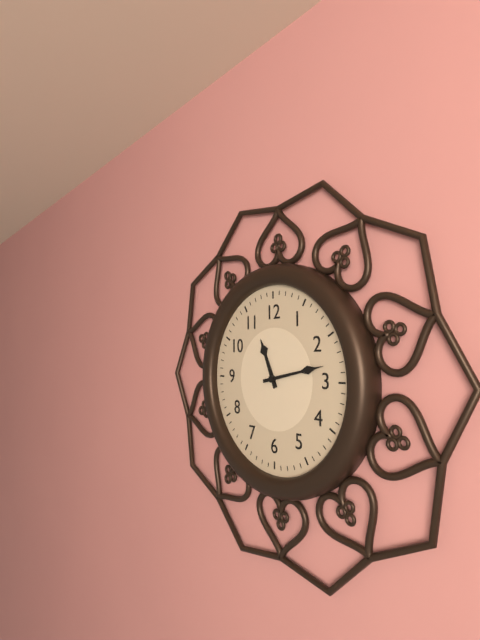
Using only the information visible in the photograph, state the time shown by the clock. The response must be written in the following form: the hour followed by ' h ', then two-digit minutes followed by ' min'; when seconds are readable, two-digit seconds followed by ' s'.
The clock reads 11 h 13 min
